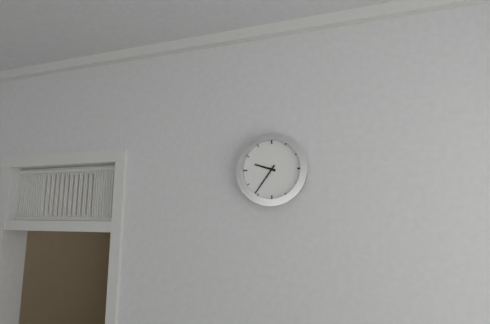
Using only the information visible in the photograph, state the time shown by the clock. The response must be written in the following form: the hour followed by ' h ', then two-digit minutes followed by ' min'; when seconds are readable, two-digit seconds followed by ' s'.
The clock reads 9 h 36 min
